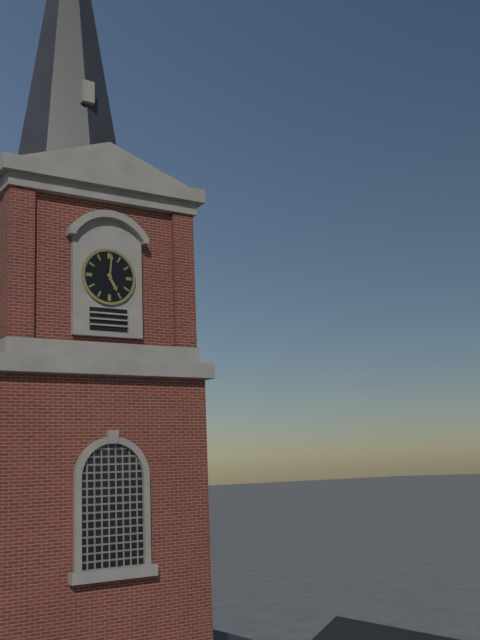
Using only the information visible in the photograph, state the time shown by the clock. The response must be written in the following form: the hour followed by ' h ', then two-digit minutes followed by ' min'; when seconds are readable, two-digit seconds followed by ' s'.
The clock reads 5 h 01 min
